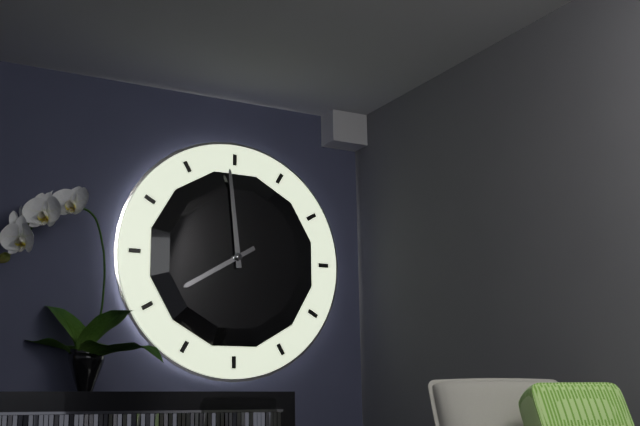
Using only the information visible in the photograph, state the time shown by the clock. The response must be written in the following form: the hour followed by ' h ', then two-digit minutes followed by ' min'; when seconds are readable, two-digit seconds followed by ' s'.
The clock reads 7 h 59 min
